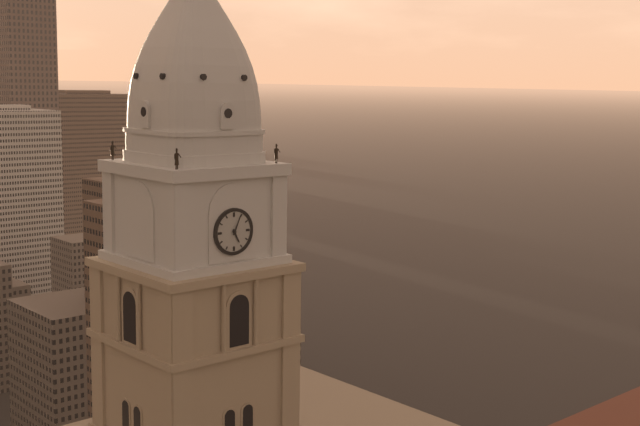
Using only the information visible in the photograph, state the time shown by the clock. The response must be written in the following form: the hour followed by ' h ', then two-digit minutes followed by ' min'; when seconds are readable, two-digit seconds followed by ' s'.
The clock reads 5 h 04 min
